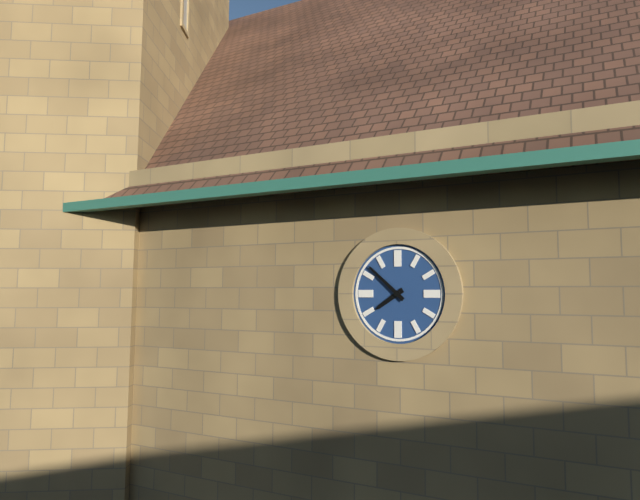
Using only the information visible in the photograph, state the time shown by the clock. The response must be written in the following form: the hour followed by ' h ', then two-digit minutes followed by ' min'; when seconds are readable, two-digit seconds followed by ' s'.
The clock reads 7 h 52 min
